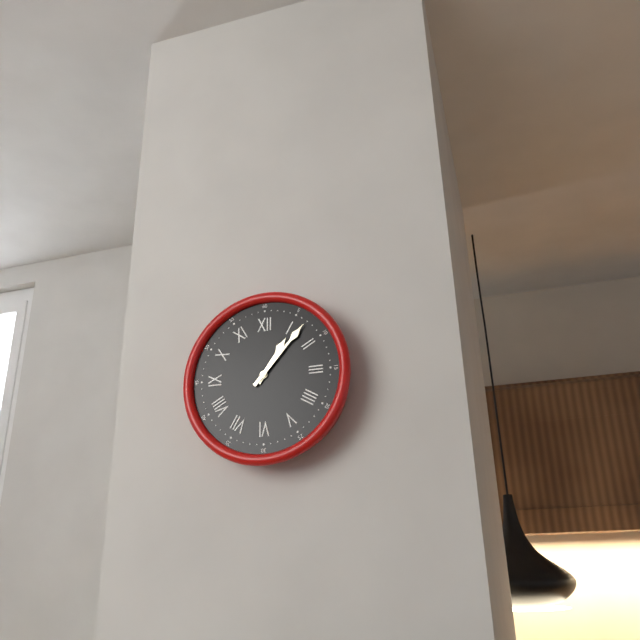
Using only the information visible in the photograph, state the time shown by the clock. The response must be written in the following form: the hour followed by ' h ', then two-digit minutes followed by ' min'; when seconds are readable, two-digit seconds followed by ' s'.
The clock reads 1 h 07 min
